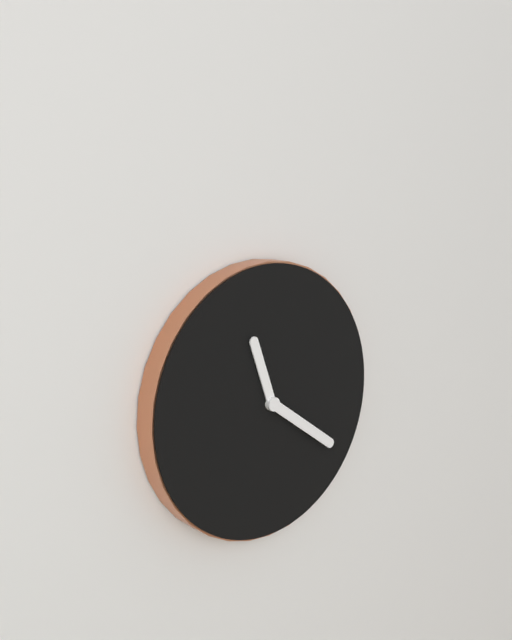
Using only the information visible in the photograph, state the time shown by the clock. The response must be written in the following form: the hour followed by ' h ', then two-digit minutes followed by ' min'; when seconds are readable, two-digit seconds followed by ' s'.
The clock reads 11 h 21 min
